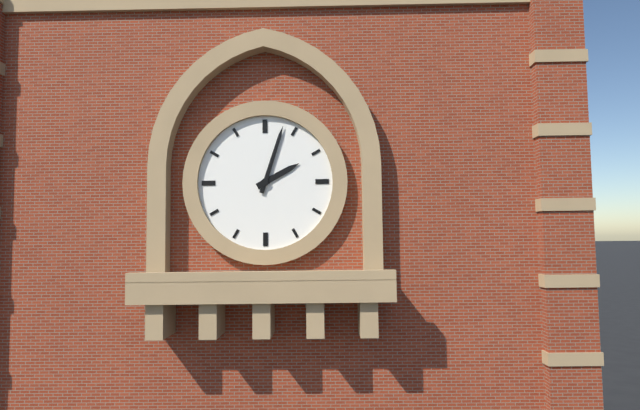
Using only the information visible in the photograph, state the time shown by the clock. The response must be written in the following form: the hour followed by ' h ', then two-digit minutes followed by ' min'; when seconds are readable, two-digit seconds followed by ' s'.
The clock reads 2 h 03 min
